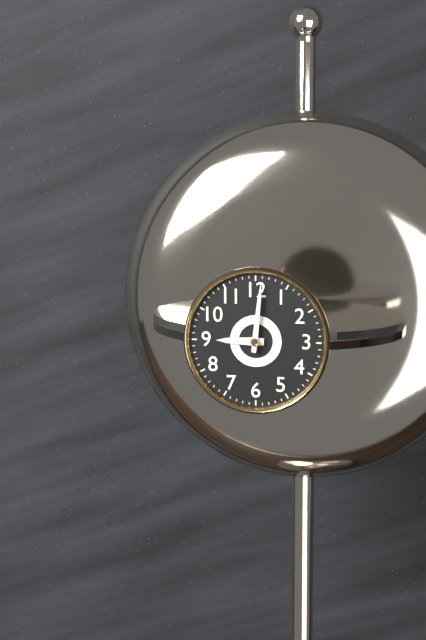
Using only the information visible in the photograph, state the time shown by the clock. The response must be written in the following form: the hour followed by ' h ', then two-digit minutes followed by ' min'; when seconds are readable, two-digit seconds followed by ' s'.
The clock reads 9 h 01 min
